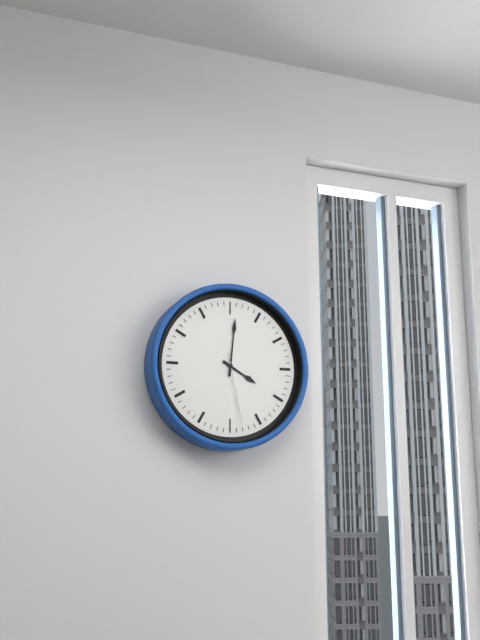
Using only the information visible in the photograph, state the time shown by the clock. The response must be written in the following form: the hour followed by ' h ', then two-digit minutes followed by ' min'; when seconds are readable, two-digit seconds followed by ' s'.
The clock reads 4 h 01 min 28 s
